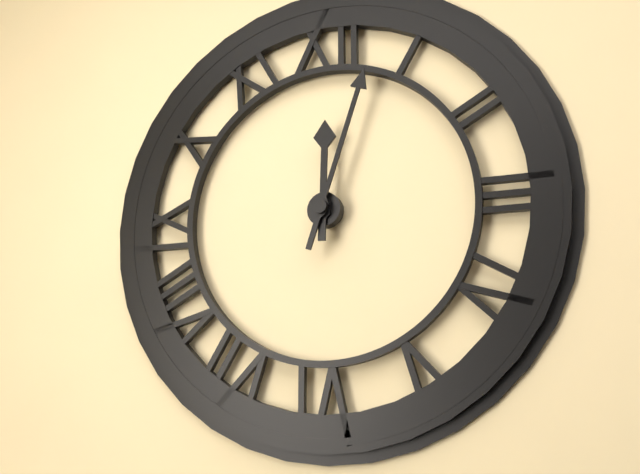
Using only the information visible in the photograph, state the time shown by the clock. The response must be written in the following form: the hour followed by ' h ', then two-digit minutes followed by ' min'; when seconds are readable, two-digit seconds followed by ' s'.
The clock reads 12 h 03 min
